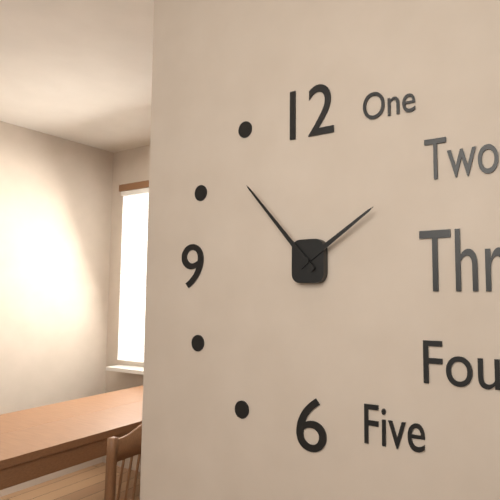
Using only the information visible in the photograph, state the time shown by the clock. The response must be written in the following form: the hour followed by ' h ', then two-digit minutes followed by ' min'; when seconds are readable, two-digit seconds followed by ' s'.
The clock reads 1 h 53 min
